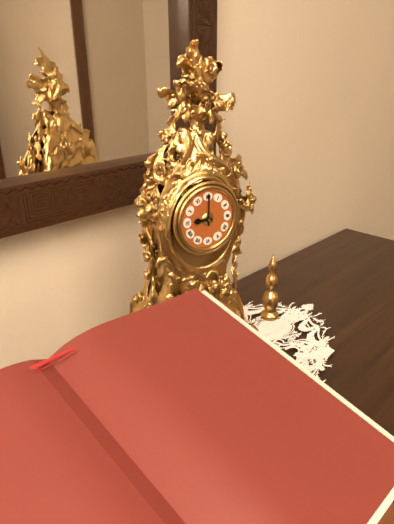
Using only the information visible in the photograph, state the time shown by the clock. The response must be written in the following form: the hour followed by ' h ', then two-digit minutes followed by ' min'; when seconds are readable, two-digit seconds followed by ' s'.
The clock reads 9 h 00 min
